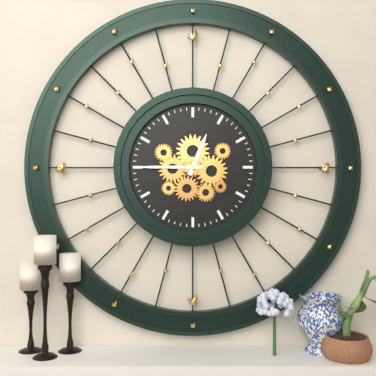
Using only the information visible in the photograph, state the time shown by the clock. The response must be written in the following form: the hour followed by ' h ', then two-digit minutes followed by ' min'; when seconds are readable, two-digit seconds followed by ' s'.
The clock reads 12 h 45 min
